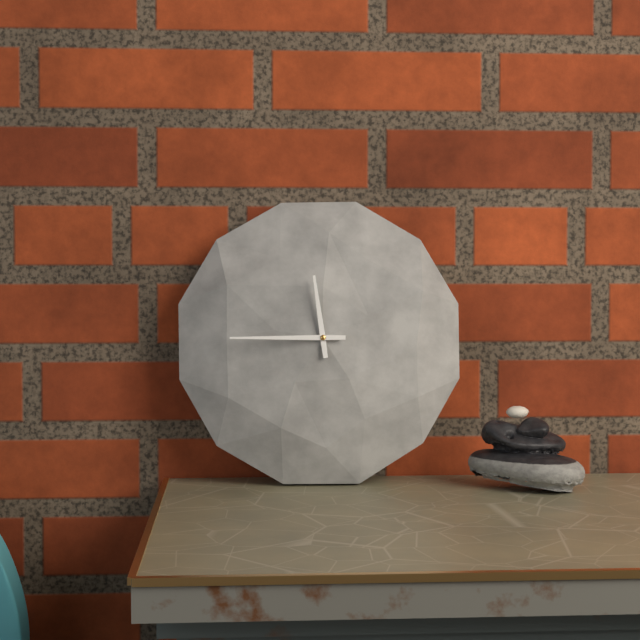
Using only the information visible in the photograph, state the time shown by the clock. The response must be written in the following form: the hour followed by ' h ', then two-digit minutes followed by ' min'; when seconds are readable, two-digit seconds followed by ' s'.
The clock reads 11 h 45 min
